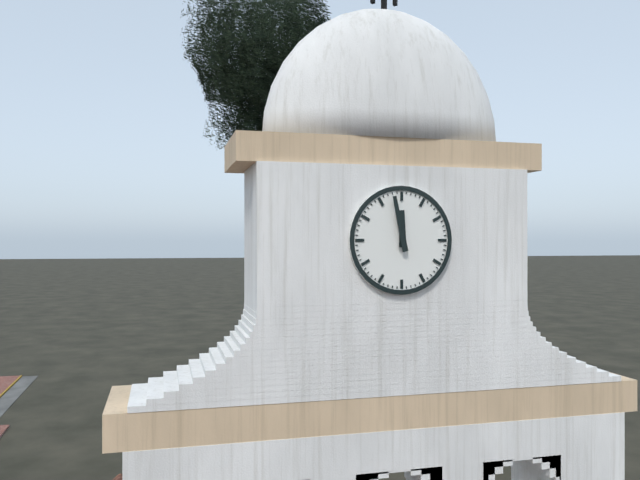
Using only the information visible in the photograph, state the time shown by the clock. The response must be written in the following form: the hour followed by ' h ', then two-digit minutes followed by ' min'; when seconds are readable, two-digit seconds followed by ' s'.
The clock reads 11 h 58 min
